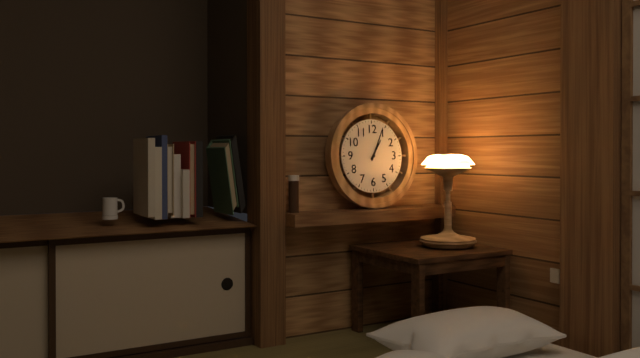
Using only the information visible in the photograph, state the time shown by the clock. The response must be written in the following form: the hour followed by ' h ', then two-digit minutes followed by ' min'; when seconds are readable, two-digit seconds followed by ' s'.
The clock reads 1 h 04 min
